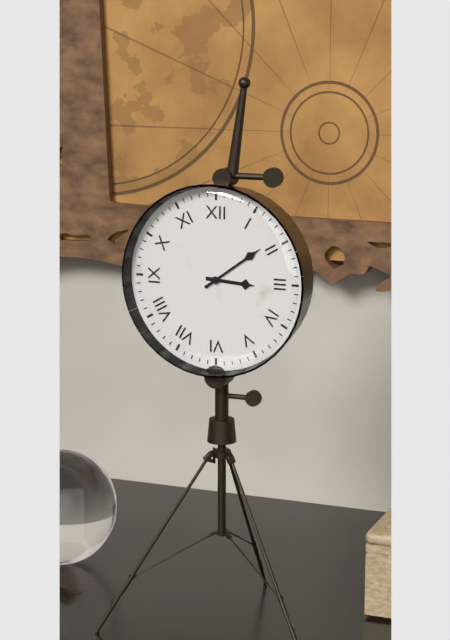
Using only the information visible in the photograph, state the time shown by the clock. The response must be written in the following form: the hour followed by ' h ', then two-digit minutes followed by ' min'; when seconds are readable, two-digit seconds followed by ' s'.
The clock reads 3 h 09 min
